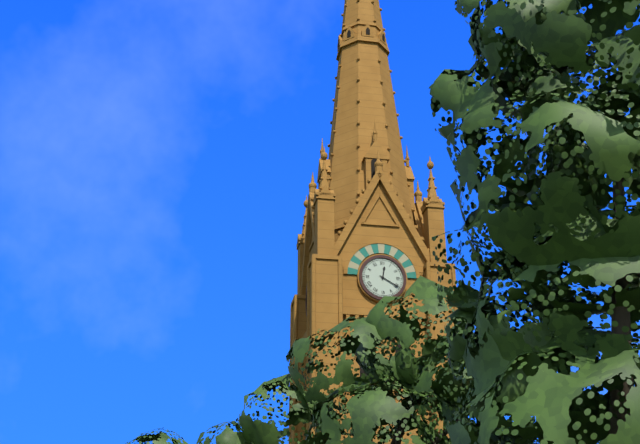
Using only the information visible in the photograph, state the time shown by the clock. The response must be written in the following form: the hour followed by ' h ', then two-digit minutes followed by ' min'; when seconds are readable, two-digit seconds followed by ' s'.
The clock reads 12 h 20 min
